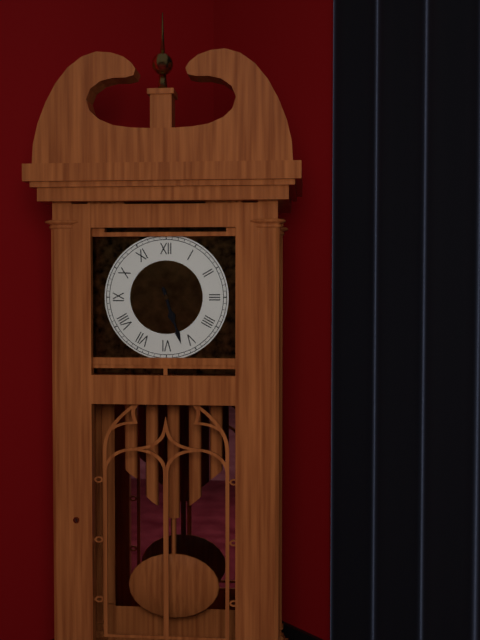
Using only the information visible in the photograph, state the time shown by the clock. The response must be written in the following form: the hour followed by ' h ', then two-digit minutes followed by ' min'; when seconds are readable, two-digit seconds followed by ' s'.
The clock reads 5 h 27 min
